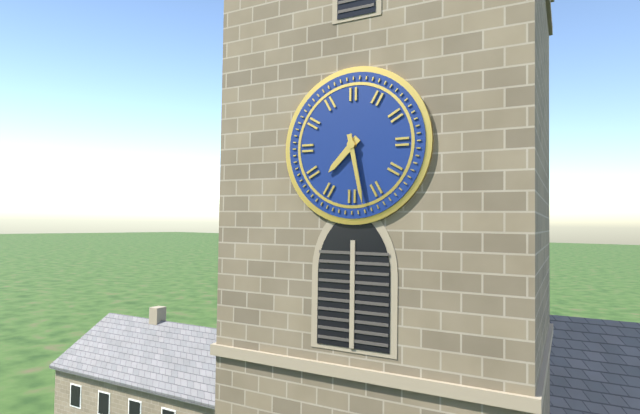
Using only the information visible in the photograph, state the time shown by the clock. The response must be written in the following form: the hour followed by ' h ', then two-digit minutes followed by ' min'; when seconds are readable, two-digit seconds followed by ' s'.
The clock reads 7 h 28 min
